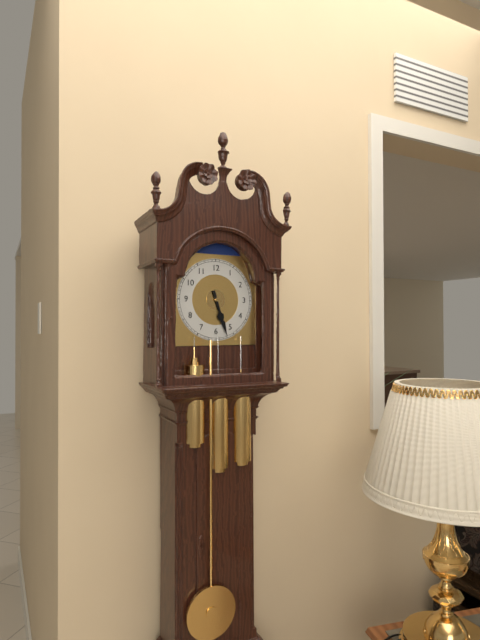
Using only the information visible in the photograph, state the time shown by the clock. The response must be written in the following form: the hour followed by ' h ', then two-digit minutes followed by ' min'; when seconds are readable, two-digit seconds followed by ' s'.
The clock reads 5 h 27 min
